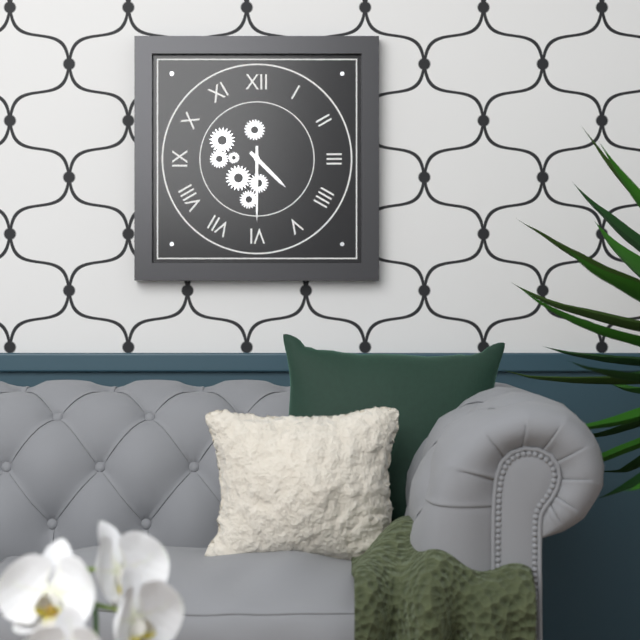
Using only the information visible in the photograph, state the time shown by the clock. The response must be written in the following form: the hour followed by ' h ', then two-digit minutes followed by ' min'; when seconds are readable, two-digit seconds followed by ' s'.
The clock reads 4 h 30 min
